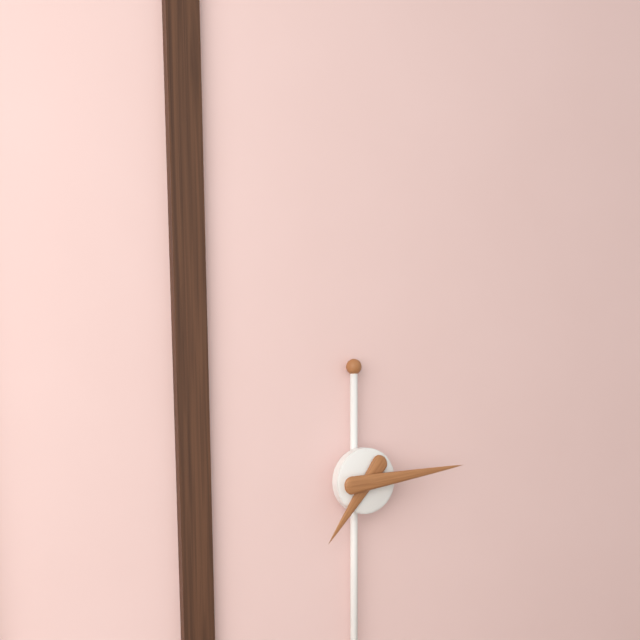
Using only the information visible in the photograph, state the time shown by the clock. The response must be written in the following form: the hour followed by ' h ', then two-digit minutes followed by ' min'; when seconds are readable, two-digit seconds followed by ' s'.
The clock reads 7 h 14 min
